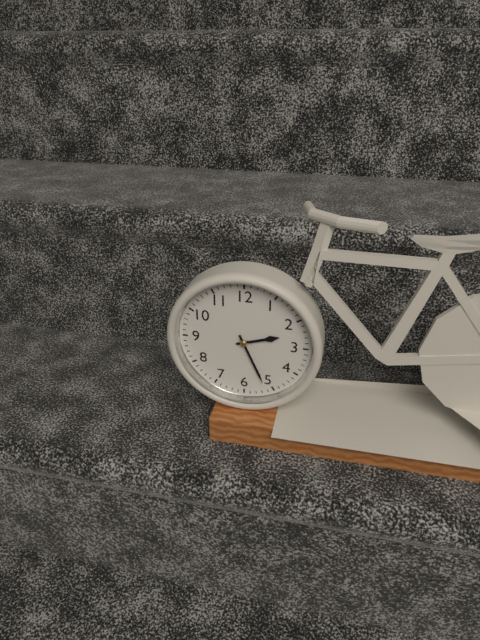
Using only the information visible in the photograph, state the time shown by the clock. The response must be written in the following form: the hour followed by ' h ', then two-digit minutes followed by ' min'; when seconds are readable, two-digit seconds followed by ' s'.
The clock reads 2 h 26 min
